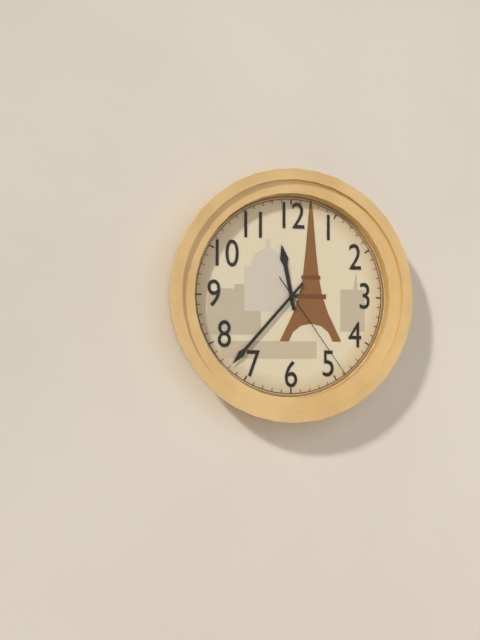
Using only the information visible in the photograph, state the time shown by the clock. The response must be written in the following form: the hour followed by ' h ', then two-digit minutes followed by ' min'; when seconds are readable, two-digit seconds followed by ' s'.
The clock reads 11 h 37 min 24 s
